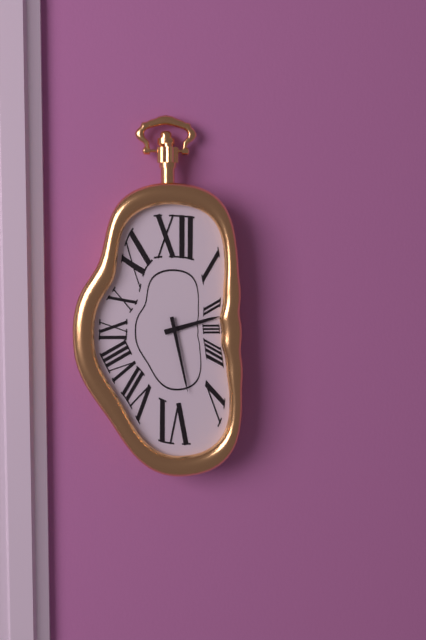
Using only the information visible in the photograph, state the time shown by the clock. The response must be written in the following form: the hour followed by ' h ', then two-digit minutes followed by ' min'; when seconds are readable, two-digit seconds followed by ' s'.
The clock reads 2 h 28 min
